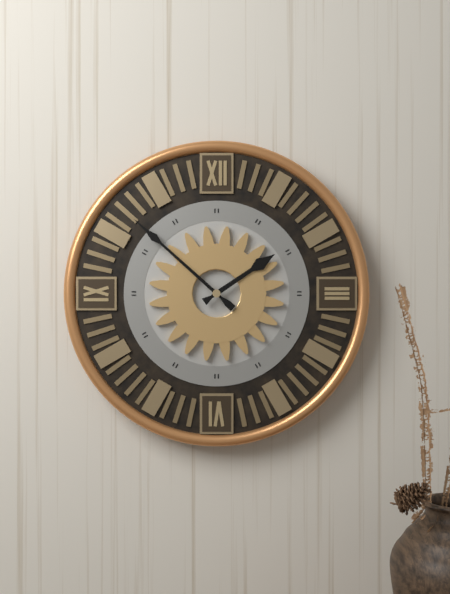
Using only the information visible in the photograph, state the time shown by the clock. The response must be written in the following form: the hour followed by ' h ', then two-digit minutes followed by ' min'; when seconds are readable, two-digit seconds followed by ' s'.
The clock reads 1 h 52 min
